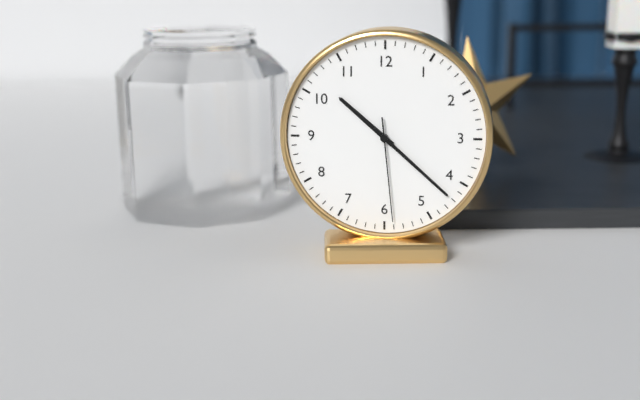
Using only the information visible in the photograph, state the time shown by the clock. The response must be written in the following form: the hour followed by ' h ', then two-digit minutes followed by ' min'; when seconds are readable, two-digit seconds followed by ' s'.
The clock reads 10 h 22 min 29 s
